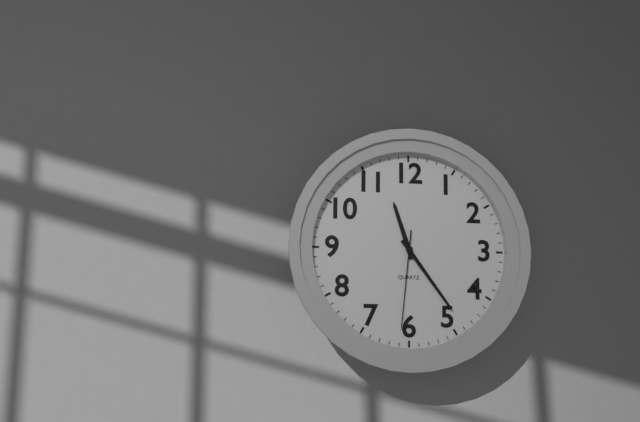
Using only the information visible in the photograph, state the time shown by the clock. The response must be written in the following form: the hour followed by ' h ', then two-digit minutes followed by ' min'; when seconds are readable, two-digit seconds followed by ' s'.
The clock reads 11 h 24 min 31 s
